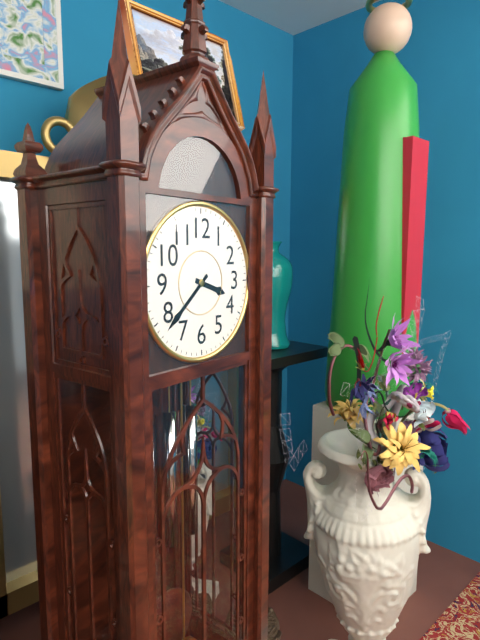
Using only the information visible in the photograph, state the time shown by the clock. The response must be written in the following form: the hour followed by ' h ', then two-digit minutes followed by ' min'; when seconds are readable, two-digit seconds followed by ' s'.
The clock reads 3 h 38 min
